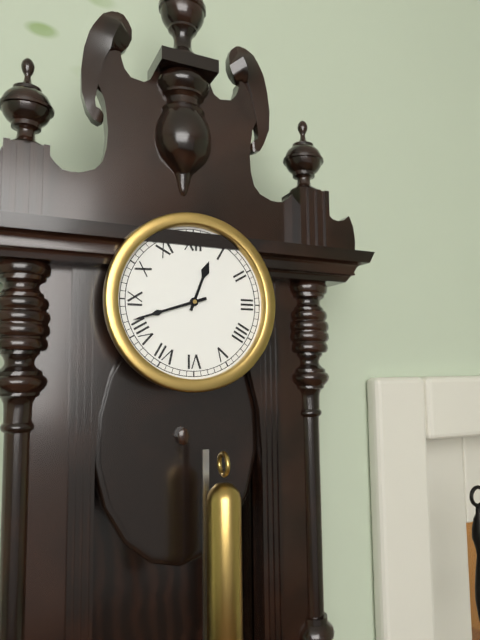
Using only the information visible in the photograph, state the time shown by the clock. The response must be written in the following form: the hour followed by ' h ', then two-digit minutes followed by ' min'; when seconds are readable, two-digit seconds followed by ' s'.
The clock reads 12 h 42 min
